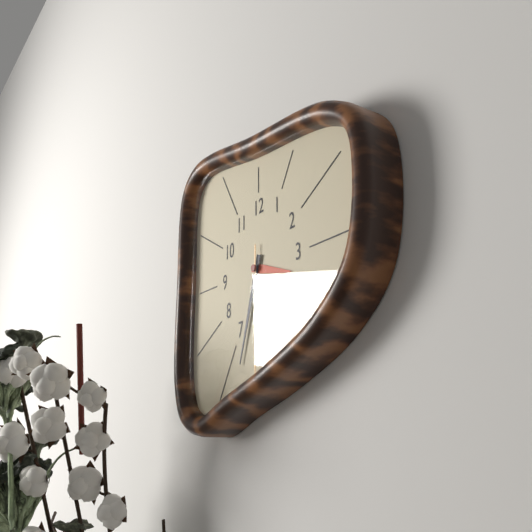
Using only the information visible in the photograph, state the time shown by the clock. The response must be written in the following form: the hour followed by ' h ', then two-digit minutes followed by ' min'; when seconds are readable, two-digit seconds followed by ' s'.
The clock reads 3 h 33 min 30 s
